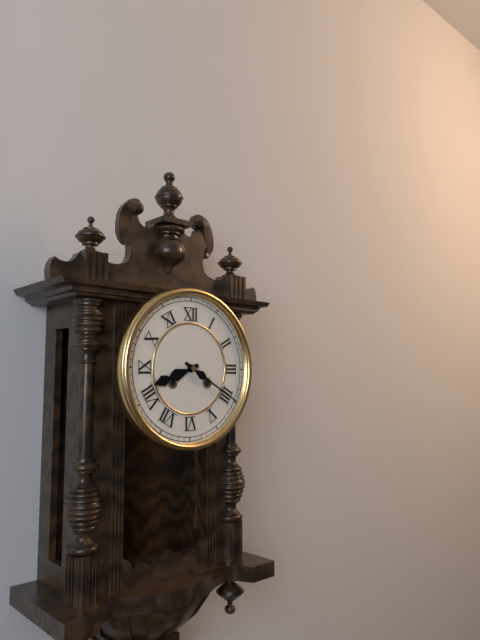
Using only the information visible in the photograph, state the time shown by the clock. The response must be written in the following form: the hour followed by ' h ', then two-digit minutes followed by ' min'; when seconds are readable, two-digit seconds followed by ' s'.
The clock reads 8 h 20 min
